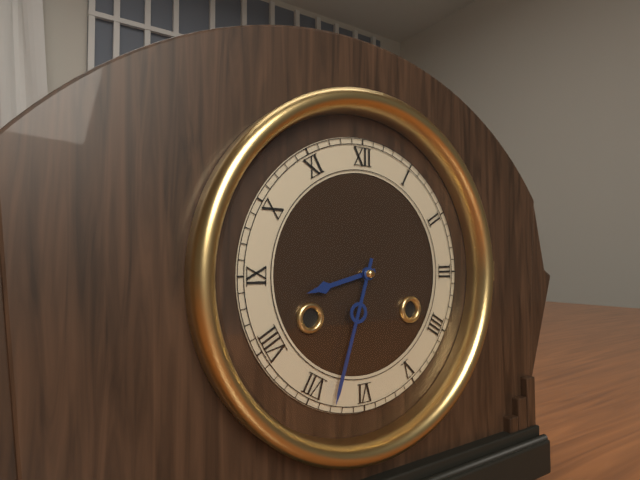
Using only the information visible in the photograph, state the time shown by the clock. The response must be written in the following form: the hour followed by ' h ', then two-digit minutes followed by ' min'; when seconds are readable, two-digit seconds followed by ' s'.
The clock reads 8 h 33 min
